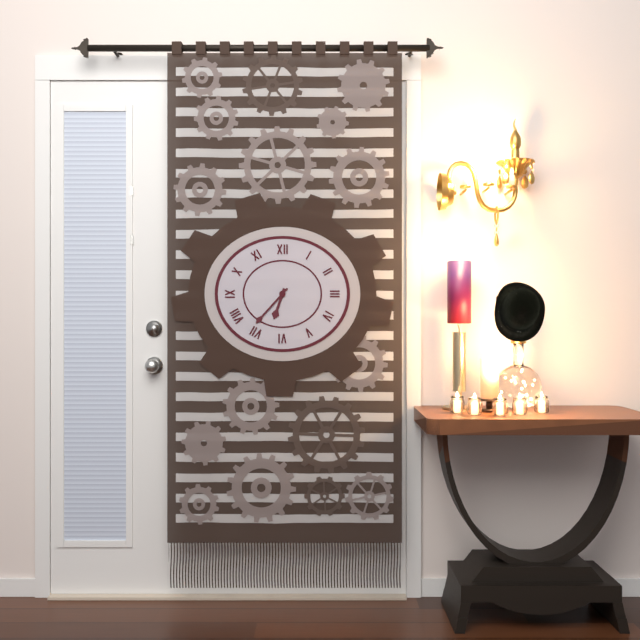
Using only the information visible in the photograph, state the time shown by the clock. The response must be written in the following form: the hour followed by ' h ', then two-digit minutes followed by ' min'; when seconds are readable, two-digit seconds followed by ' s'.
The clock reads 6 h 37 min
